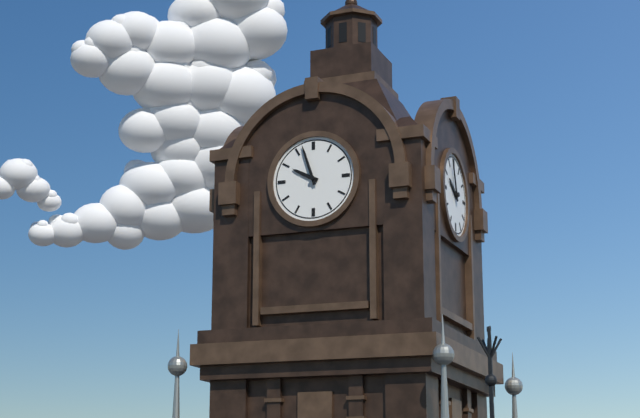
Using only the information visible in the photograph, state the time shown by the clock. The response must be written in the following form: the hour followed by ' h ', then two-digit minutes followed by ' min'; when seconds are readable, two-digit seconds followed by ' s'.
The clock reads 9 h 57 min
